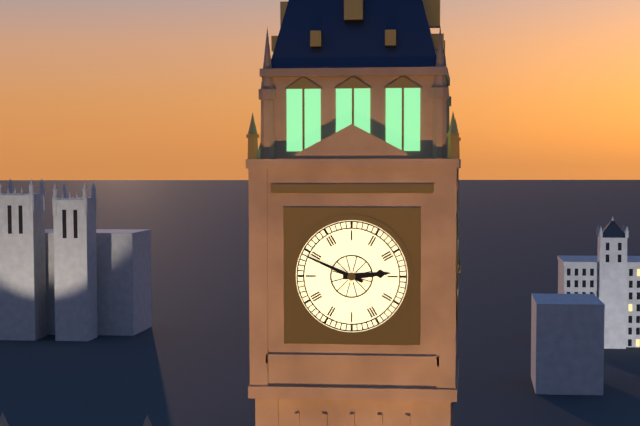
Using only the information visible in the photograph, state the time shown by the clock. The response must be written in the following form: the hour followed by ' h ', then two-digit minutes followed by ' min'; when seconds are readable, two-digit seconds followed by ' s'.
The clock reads 2 h 49 min
